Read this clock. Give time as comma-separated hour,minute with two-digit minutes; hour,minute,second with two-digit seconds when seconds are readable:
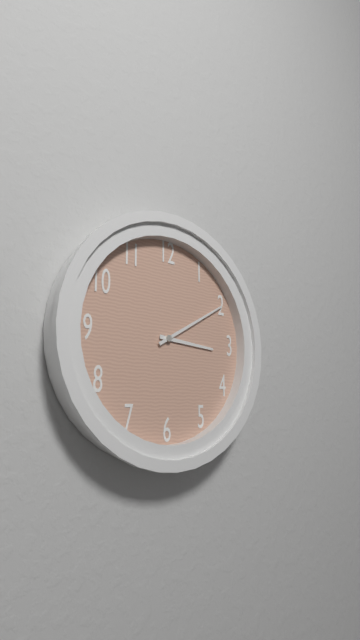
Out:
3,10
